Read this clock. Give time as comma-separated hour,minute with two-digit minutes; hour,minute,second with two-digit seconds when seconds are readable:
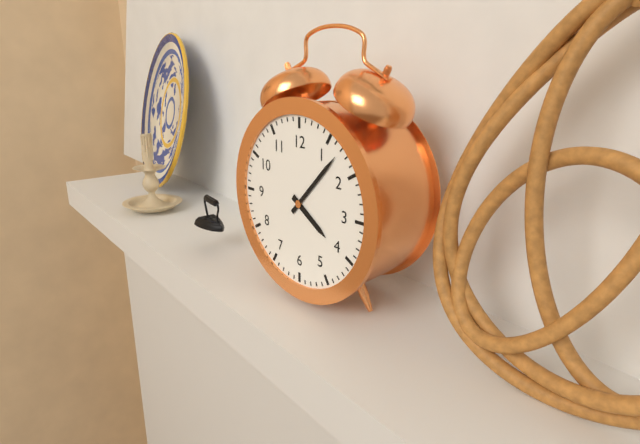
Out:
4,07
